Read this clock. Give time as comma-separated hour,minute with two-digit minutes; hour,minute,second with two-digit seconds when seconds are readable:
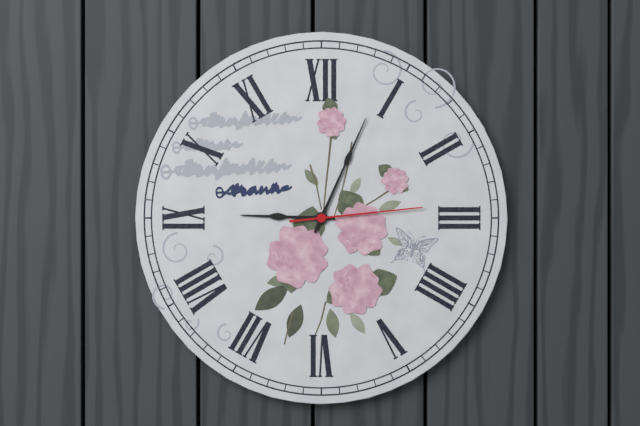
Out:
9,04,14
